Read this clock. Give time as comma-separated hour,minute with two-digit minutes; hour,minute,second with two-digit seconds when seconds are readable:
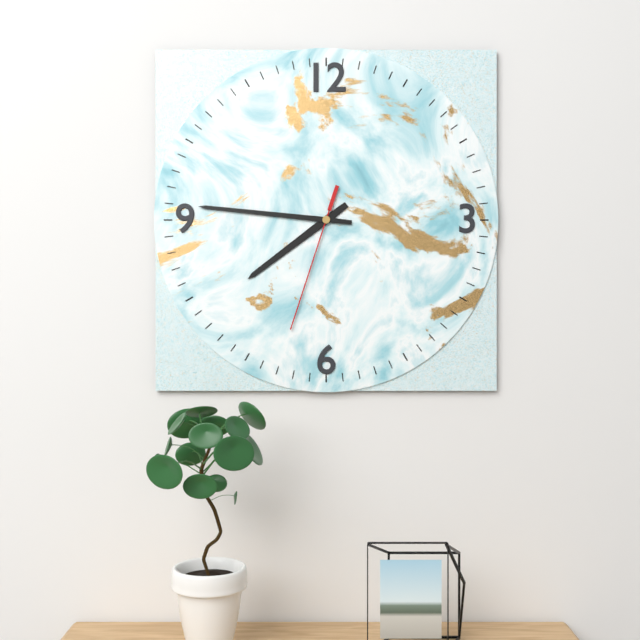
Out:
7,46,33
